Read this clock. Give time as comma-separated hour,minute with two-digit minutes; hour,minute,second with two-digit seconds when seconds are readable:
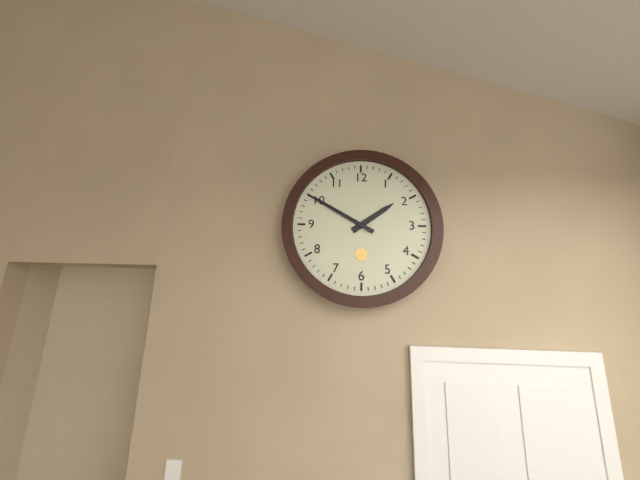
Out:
1,50
